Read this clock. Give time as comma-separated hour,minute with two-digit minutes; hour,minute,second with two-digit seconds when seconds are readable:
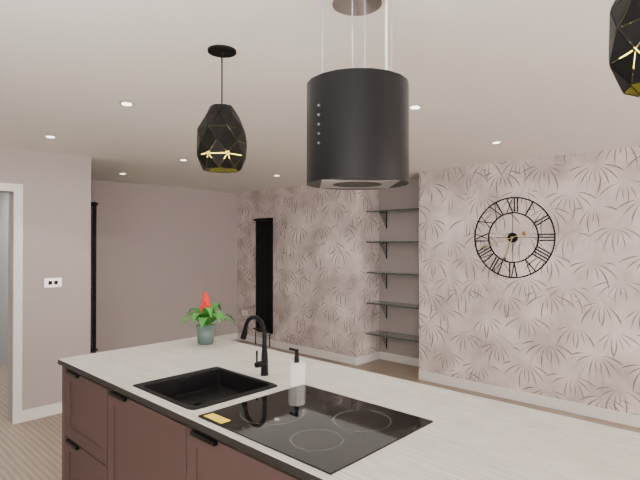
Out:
6,42
